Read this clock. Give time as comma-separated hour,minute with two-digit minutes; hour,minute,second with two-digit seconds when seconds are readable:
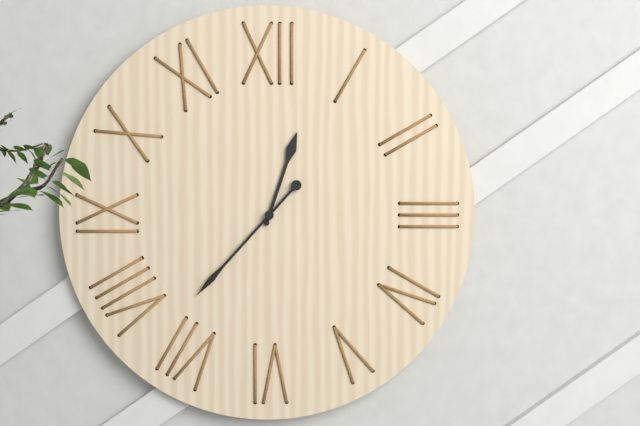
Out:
12,37
